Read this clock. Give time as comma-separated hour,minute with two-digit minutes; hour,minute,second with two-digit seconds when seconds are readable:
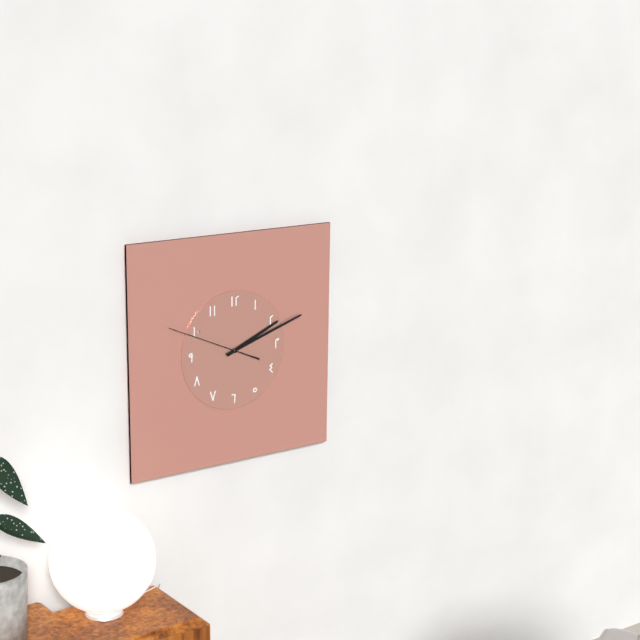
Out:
2,12,49
